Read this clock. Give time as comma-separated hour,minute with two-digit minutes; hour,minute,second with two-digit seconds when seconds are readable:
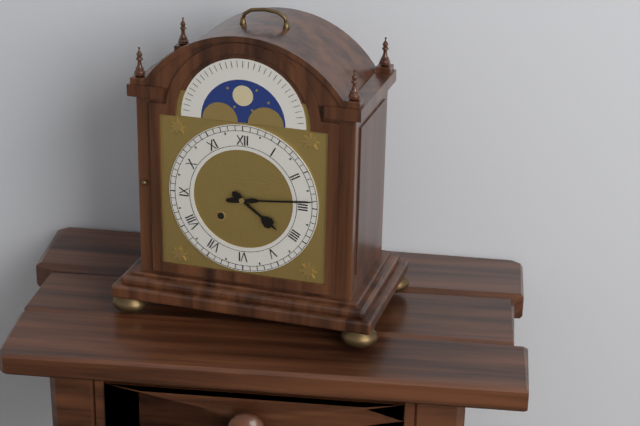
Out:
4,14
